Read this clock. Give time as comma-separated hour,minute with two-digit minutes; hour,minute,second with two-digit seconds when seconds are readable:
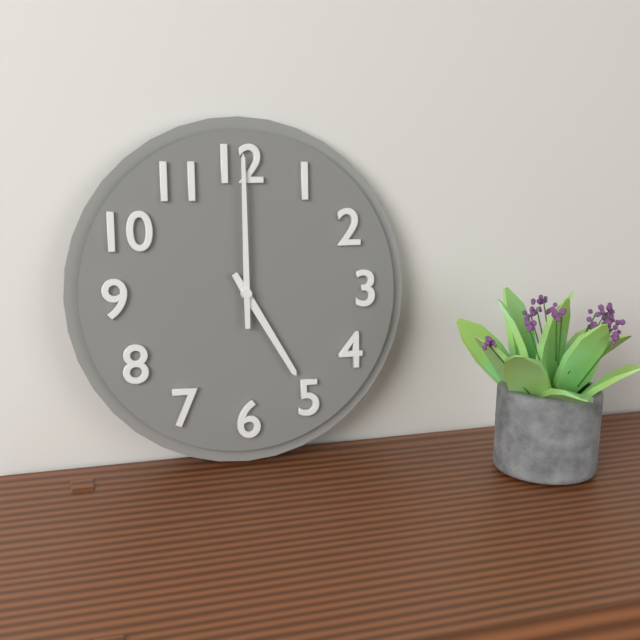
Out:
5,00
